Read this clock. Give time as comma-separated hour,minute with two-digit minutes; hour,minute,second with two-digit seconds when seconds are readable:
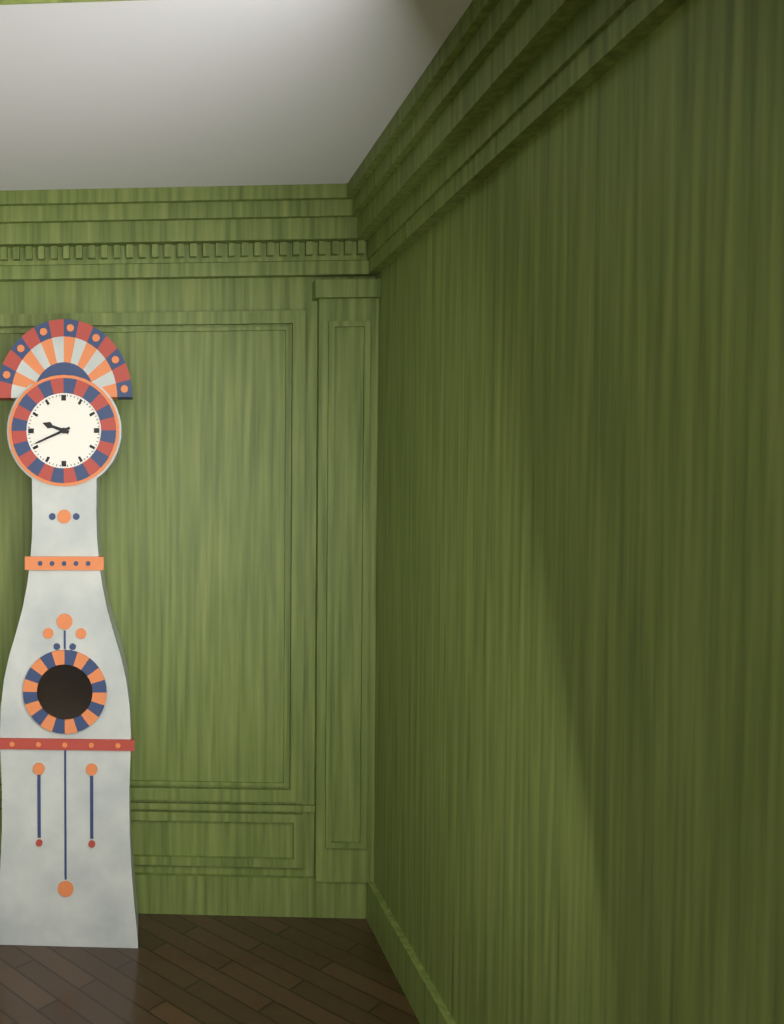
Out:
9,41
